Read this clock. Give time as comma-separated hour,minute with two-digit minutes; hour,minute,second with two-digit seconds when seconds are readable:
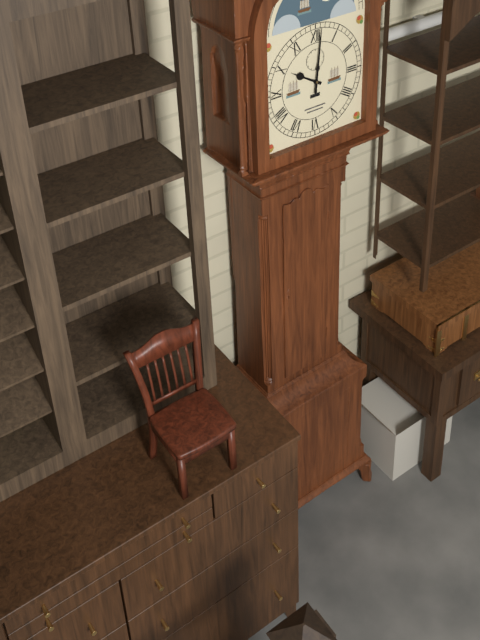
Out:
10,01
